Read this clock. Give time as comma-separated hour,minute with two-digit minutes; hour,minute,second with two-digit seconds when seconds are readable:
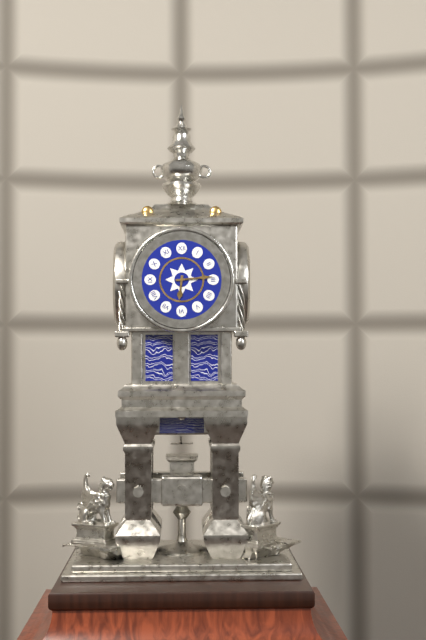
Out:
6,14
